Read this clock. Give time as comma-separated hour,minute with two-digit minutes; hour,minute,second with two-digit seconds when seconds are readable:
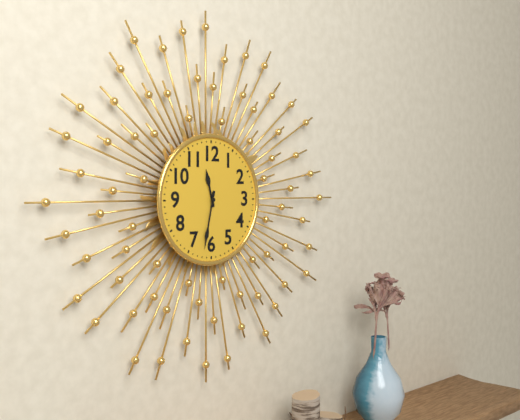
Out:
11,32
